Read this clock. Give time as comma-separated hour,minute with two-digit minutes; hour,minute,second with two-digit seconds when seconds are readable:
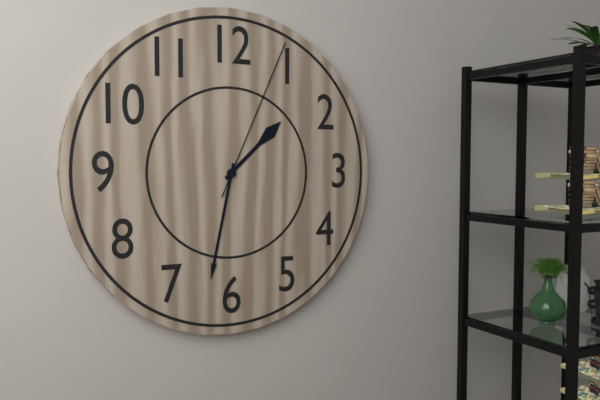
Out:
1,32,04
